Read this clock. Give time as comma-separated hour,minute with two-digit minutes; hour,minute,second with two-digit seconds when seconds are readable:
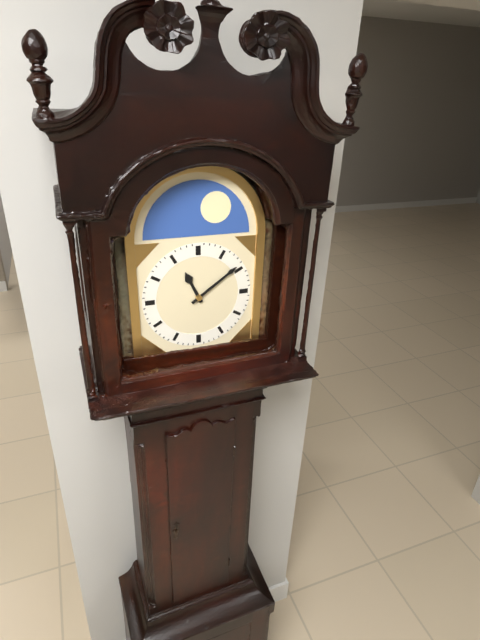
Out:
11,09
